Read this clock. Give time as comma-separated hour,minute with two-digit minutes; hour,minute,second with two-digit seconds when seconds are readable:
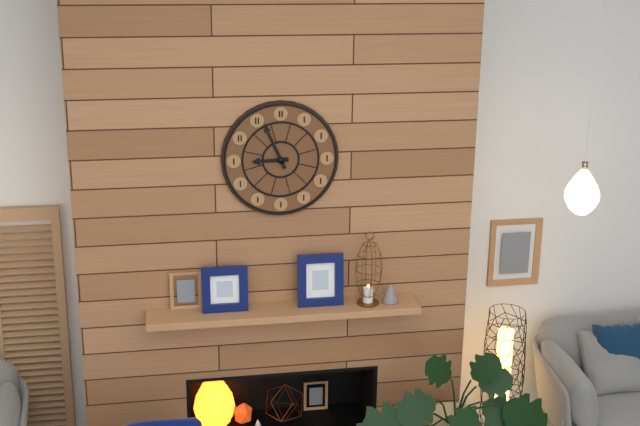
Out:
8,56
